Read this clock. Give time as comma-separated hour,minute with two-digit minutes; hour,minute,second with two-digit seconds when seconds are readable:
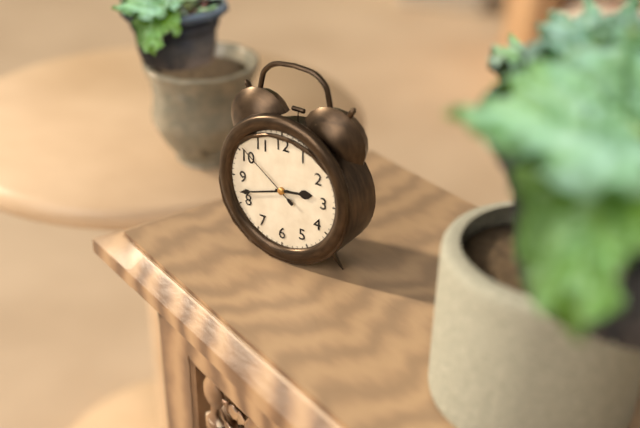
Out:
2,42,51
